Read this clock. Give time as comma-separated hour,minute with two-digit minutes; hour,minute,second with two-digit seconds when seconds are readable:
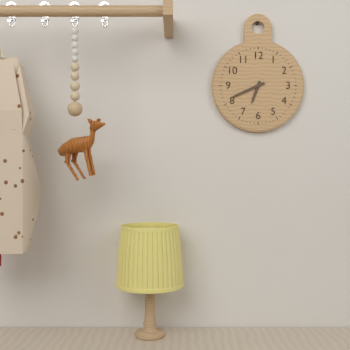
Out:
6,41
